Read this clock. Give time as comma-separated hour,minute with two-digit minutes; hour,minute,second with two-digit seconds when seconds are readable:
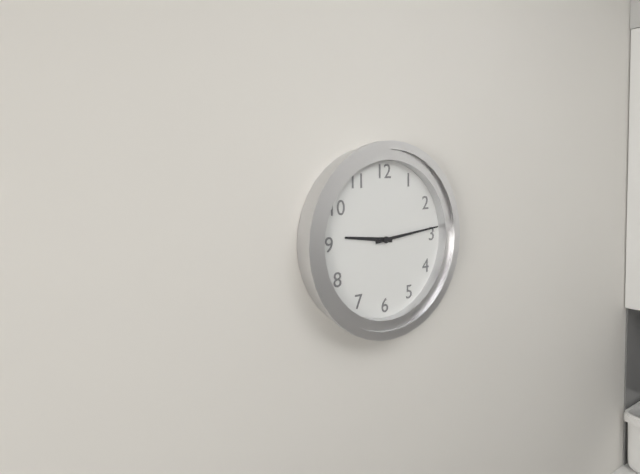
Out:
9,14
